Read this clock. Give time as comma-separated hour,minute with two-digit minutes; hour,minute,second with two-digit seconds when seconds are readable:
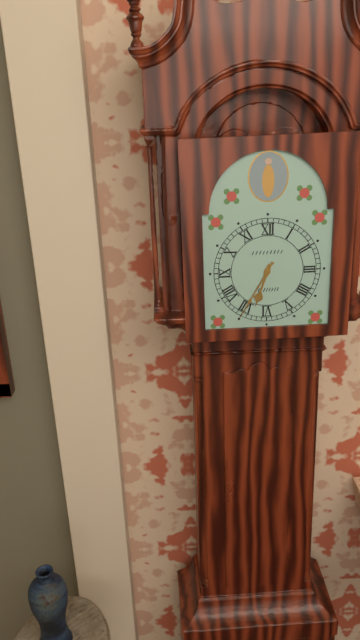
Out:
6,35
